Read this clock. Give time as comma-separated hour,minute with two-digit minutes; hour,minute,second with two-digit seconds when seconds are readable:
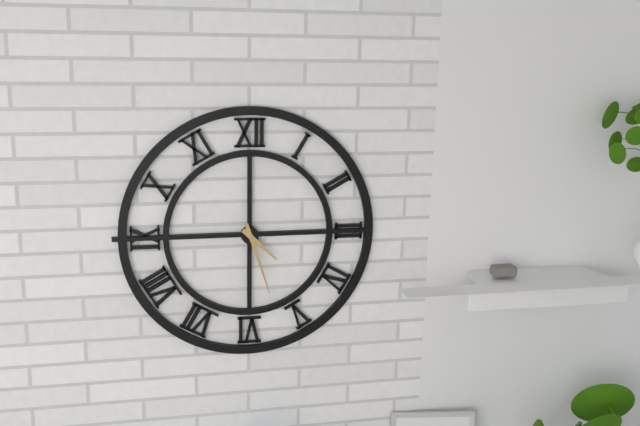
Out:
4,27
